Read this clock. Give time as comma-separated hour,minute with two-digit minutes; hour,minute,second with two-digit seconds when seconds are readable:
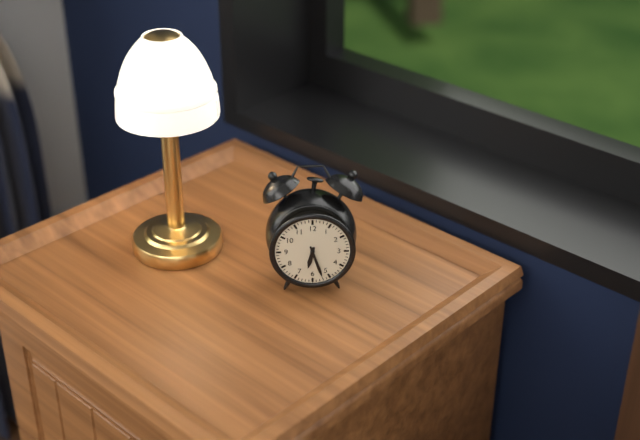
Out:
6,27
